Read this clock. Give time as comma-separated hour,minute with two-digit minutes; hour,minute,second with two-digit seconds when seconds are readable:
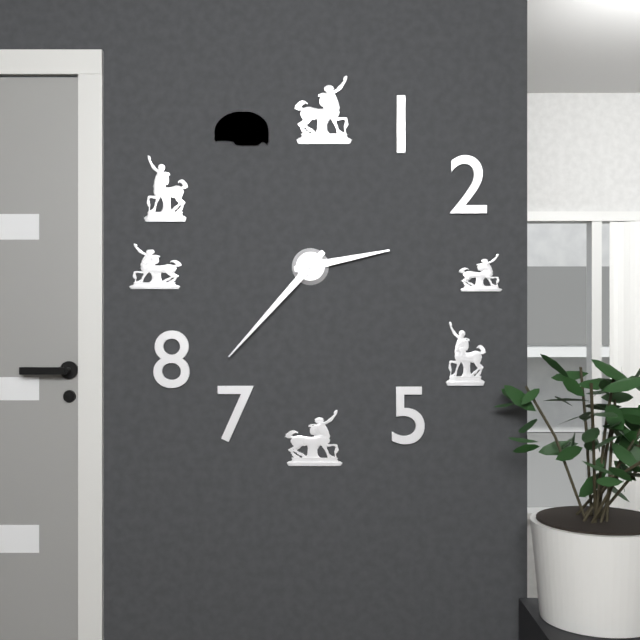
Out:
2,37
